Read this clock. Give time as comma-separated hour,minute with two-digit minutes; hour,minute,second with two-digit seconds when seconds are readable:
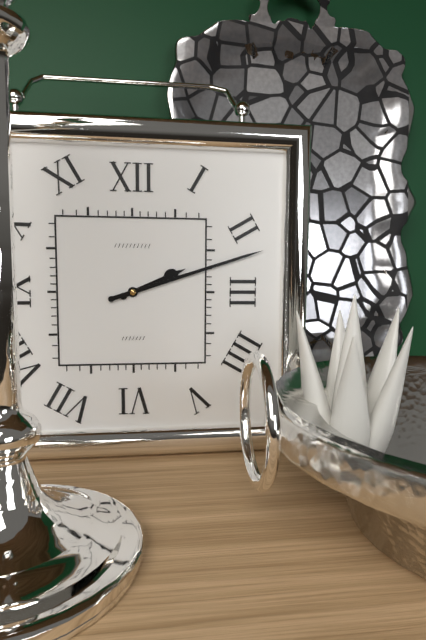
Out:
2,12
